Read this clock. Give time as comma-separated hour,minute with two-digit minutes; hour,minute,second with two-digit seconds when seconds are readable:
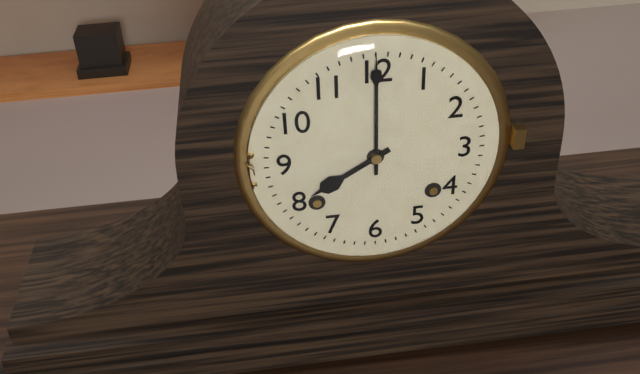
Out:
8,00
